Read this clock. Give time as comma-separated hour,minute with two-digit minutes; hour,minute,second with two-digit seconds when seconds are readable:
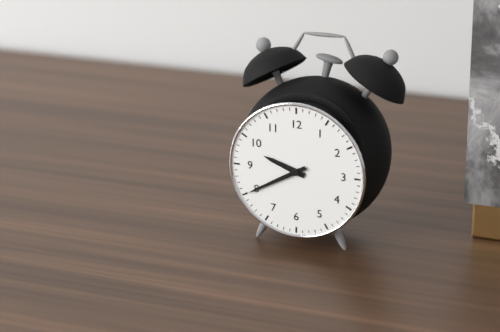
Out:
9,40
